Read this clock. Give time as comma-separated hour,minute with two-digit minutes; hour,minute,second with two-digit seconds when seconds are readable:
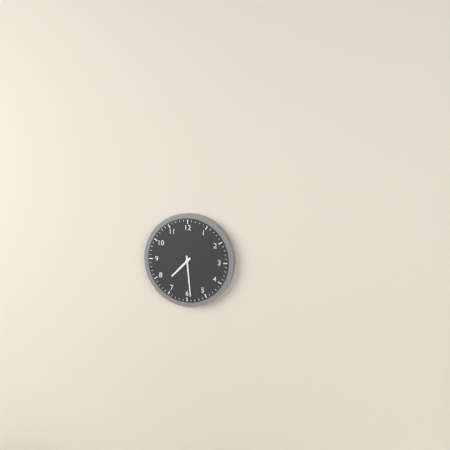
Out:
7,29
